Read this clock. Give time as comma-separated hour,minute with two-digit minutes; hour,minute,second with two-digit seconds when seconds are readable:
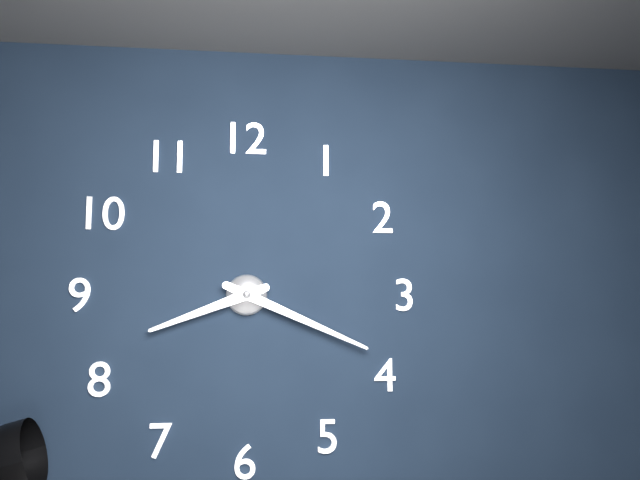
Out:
8,19
